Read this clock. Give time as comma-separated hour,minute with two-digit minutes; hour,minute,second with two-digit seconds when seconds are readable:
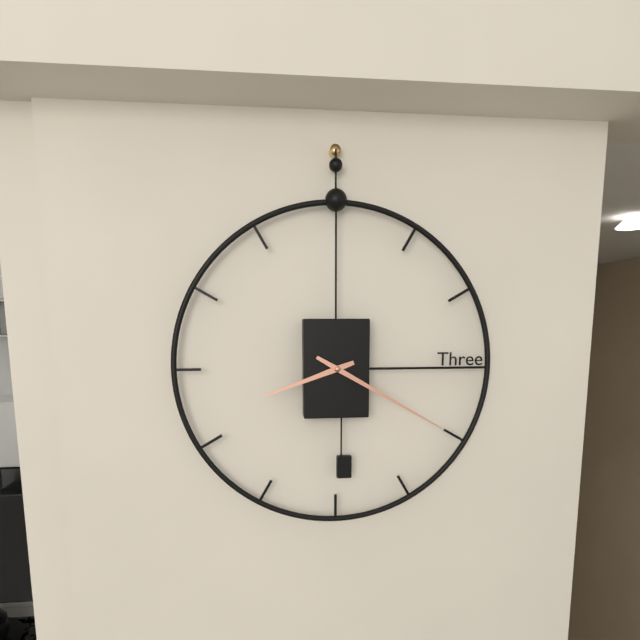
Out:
8,20
